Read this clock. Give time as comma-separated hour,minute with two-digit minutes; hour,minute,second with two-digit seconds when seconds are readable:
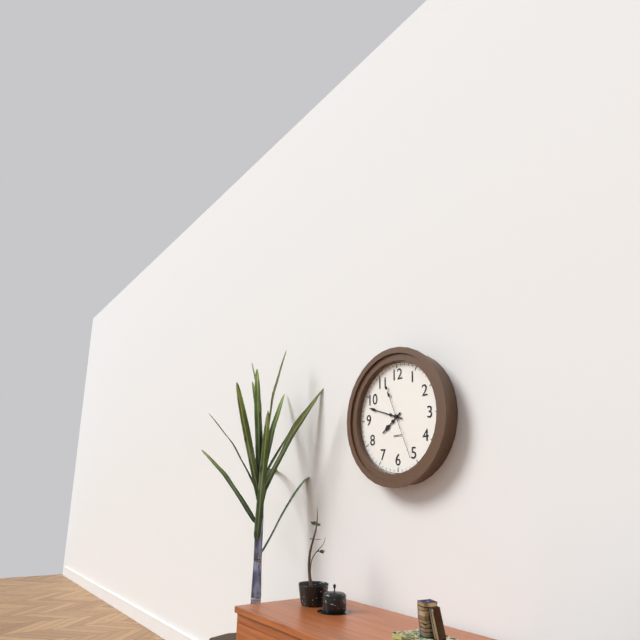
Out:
7,48,26
